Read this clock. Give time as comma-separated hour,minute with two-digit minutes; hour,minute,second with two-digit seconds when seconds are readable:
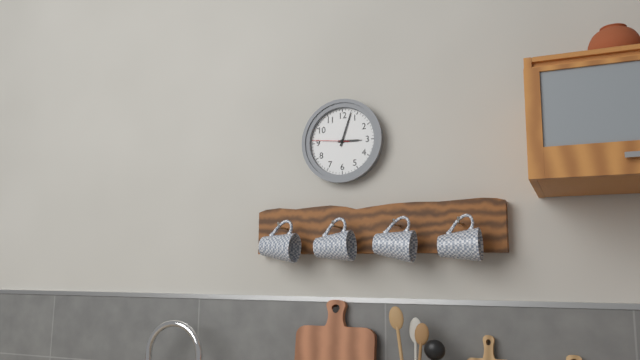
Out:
3,03
